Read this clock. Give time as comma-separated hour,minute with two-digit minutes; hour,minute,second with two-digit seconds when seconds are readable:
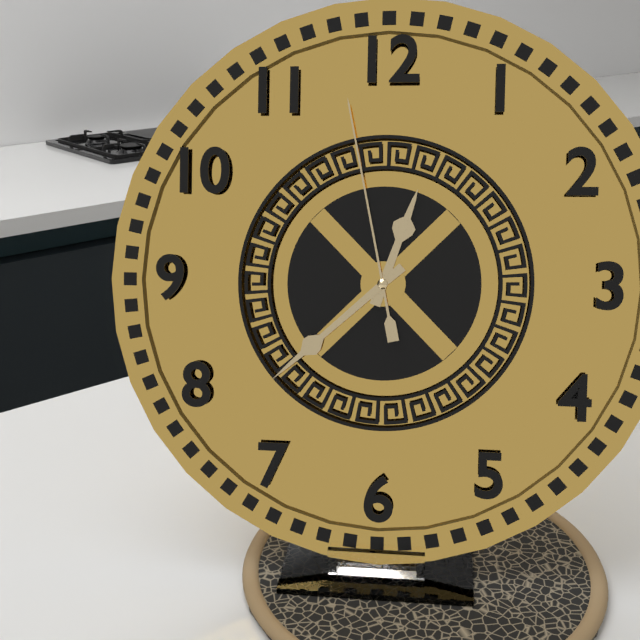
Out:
12,38,58
